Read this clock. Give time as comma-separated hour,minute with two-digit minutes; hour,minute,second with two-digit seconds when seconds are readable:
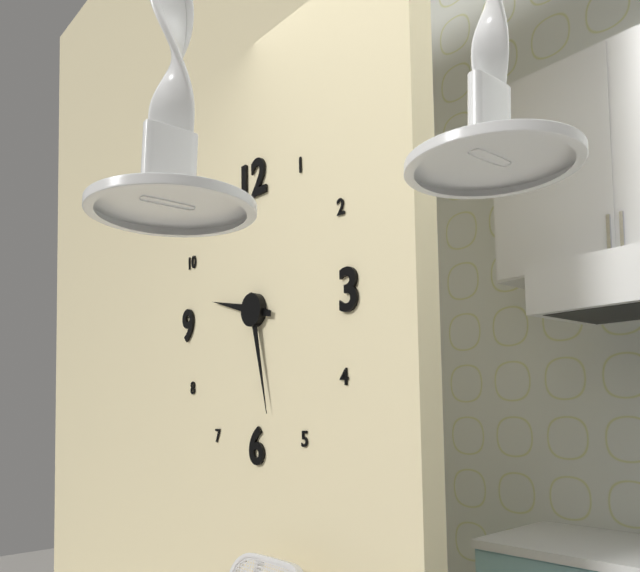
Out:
9,28
